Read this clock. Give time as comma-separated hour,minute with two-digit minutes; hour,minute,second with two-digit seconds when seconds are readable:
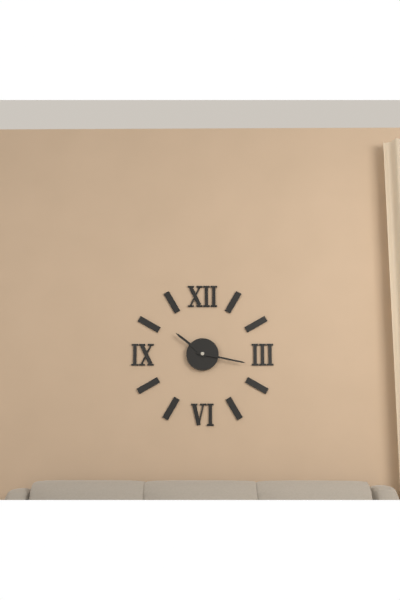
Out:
10,17
